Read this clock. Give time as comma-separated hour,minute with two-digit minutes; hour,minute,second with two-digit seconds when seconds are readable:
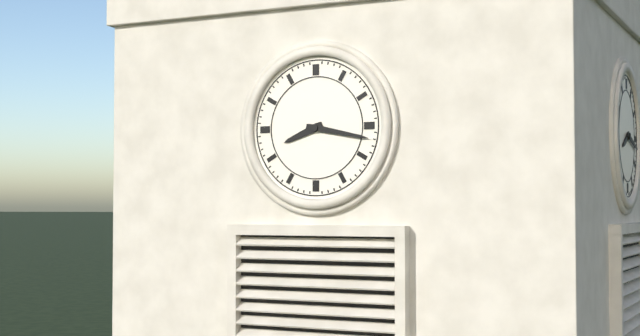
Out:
8,17
